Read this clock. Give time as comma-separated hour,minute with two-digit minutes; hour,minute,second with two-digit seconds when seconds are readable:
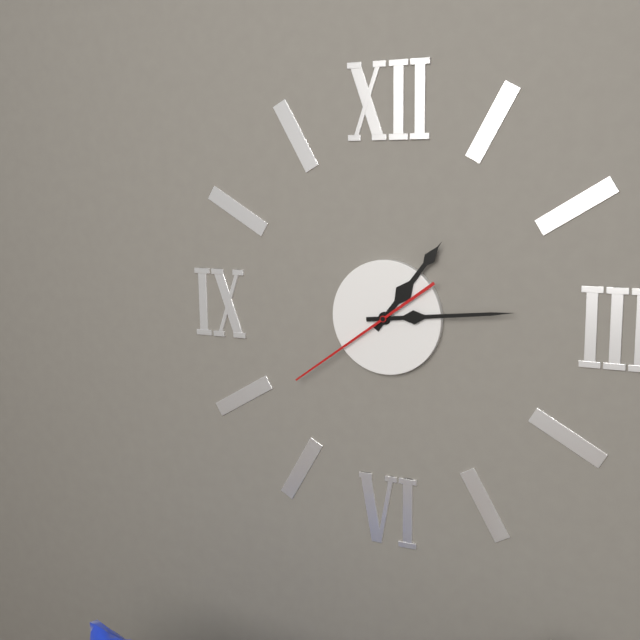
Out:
1,14,39
